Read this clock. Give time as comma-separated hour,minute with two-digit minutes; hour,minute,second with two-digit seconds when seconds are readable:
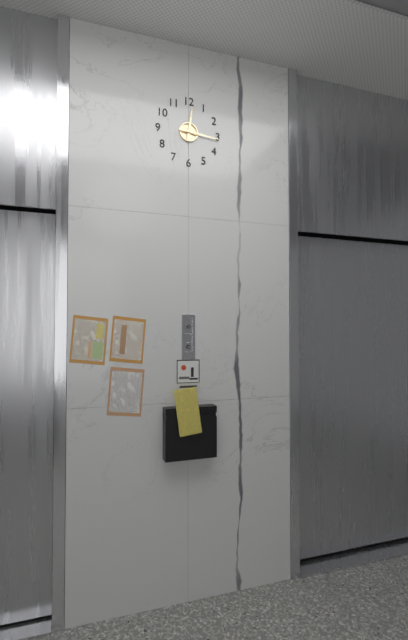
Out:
12,16
